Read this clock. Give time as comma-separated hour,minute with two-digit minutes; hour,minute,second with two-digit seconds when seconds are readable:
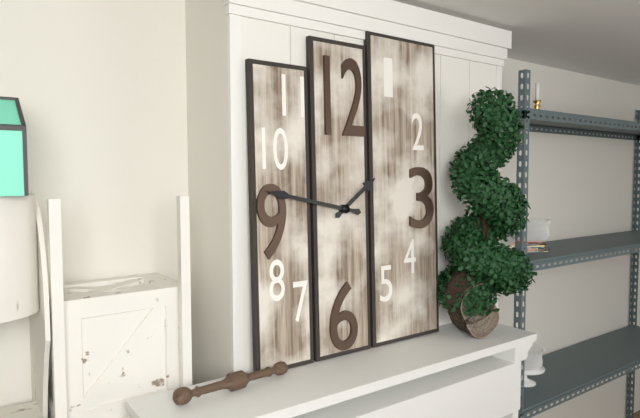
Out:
1,47
